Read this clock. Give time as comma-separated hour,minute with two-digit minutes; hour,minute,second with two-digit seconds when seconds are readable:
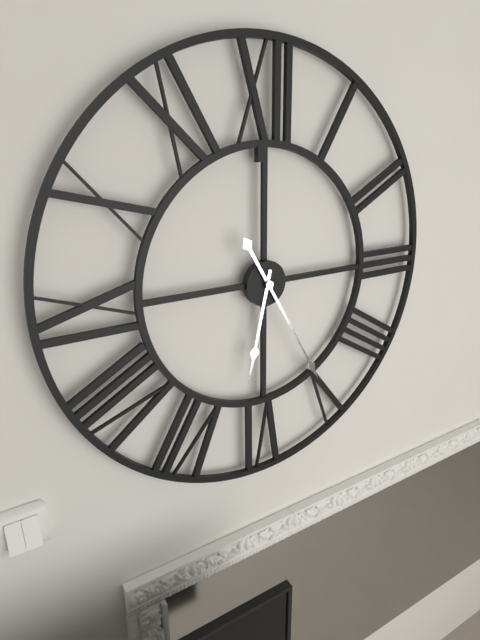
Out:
6,25
